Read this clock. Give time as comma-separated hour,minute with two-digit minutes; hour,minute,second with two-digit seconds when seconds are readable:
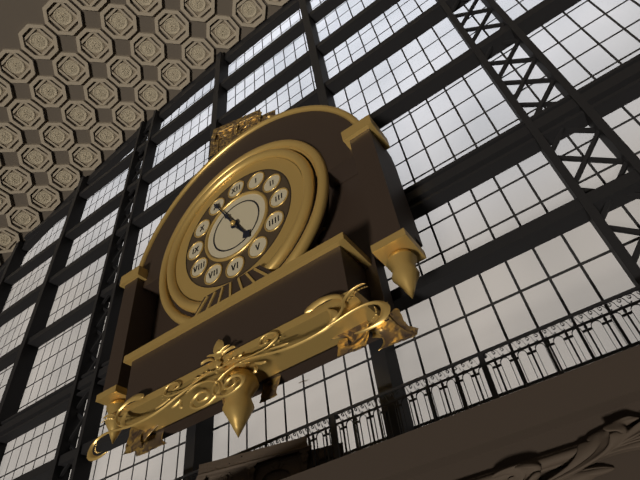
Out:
4,55
